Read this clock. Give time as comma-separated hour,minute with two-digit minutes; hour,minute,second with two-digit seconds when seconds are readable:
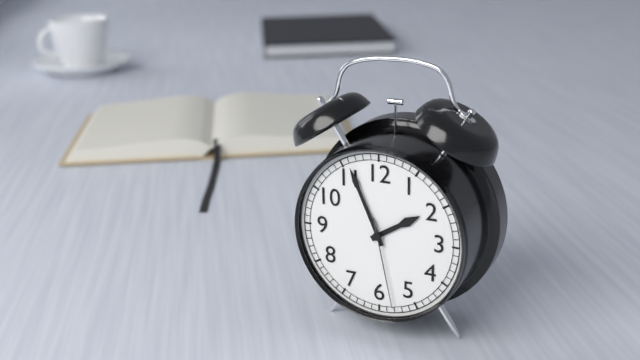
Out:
1,56,28
